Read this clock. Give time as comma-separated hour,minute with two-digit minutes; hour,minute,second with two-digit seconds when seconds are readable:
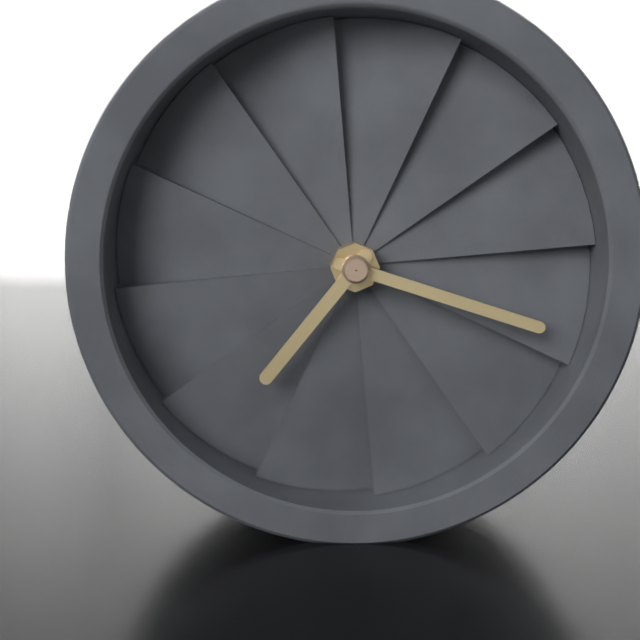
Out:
7,18
